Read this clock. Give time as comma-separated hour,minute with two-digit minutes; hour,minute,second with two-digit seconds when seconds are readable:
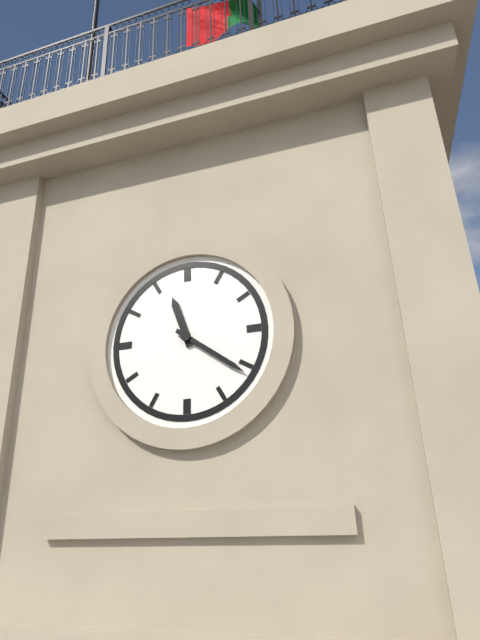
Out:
11,21
